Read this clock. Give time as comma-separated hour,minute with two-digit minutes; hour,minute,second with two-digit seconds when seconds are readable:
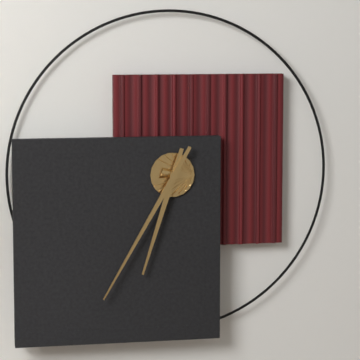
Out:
6,35
